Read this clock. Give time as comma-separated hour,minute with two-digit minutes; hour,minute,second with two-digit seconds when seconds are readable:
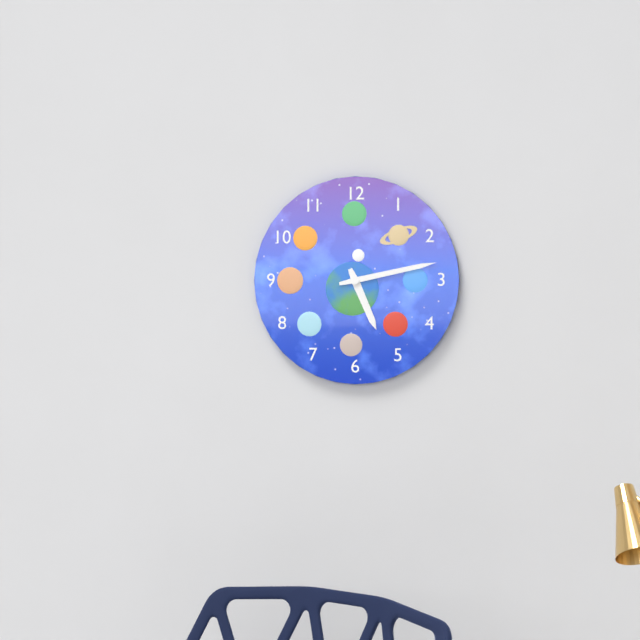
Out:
5,13
